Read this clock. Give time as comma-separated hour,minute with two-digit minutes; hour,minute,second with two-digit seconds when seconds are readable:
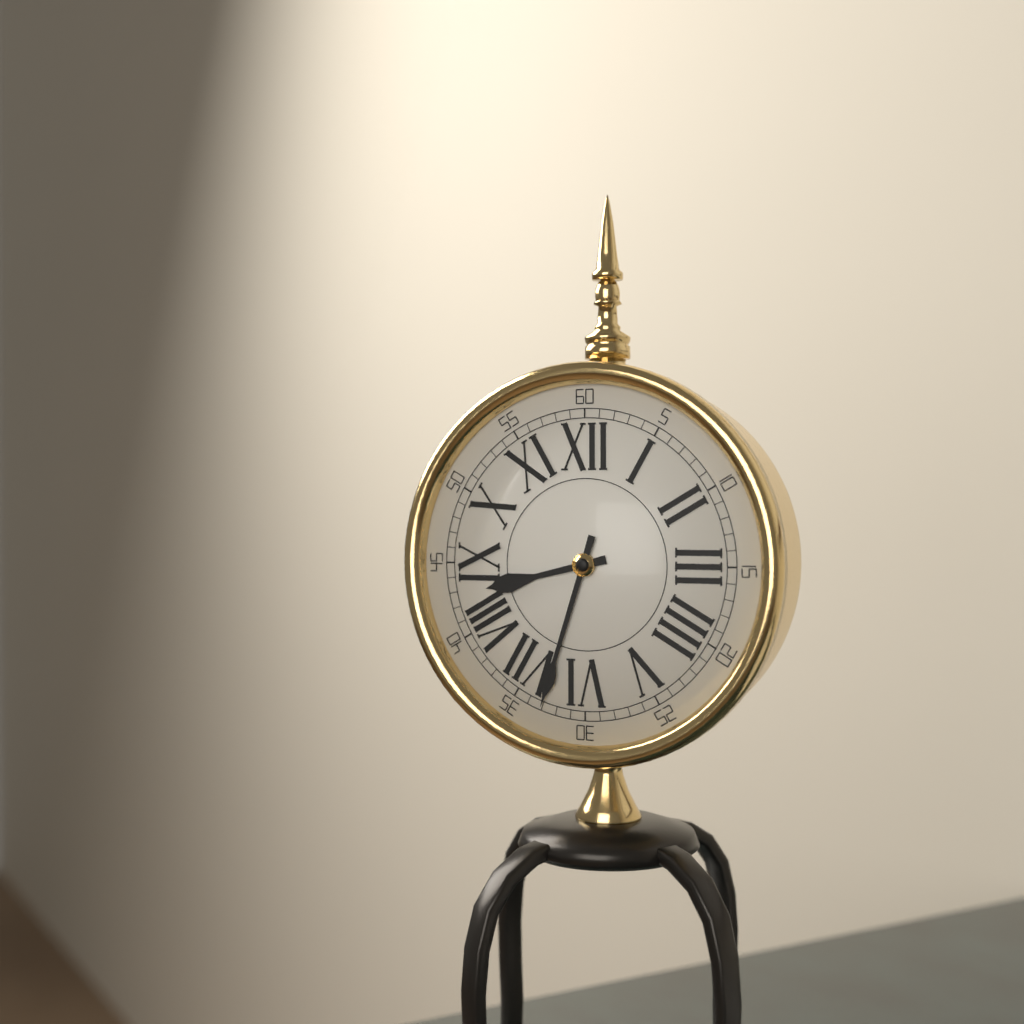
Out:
8,33
